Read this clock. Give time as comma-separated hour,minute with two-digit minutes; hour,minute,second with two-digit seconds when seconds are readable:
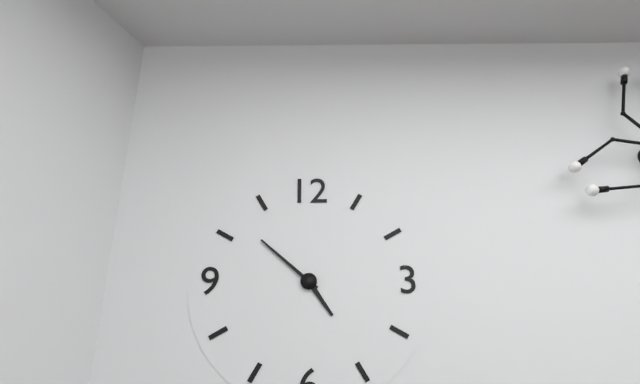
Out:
4,52
